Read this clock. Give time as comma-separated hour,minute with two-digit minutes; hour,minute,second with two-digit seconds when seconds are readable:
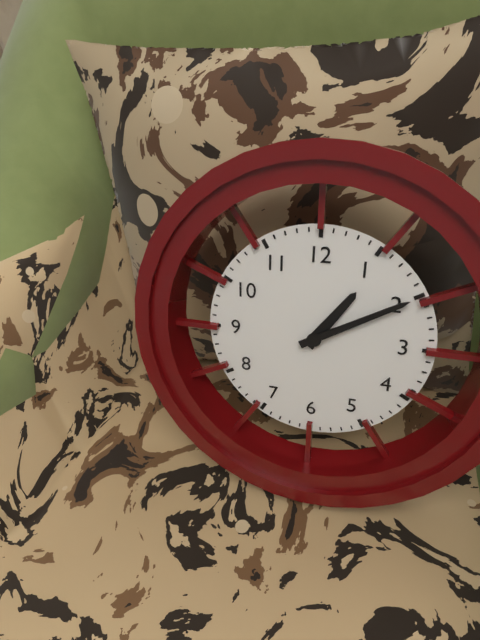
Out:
1,10
